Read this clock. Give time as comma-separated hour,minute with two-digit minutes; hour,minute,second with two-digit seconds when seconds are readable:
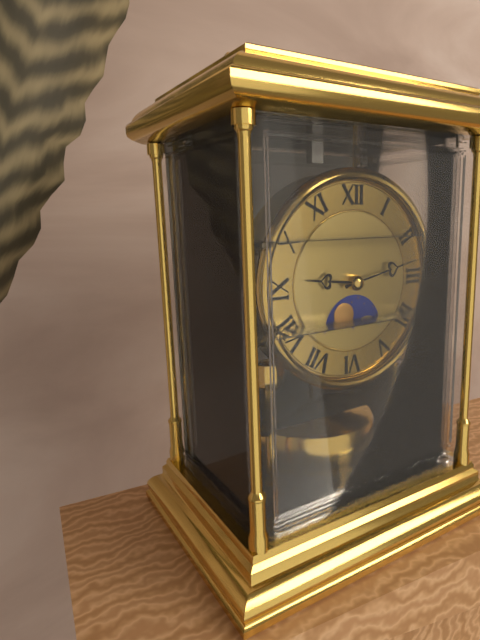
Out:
9,13
